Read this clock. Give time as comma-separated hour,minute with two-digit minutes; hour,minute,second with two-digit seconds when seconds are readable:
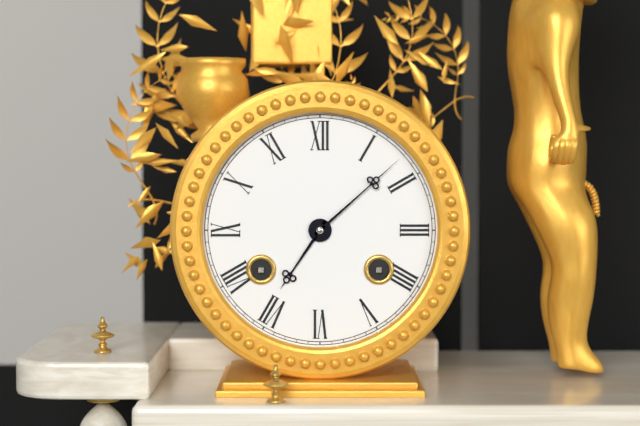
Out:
7,08
